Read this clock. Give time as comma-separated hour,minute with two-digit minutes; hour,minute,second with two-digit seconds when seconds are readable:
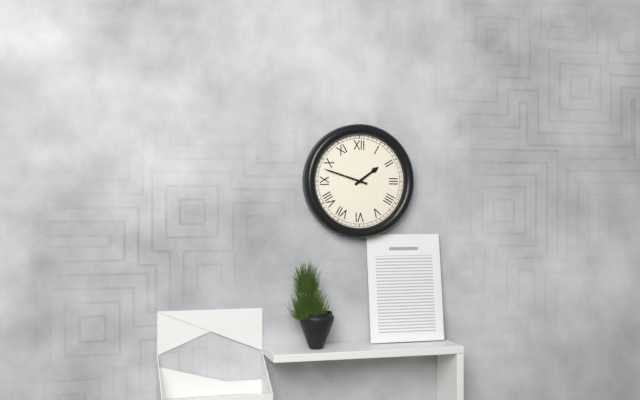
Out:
1,48
